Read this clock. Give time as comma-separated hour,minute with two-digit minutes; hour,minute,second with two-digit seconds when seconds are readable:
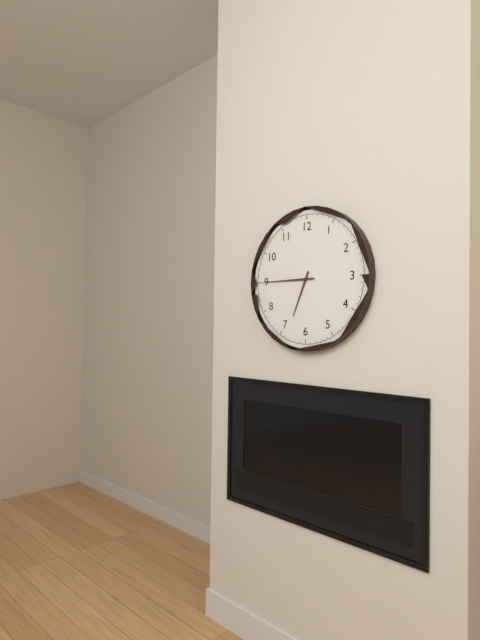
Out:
6,45
